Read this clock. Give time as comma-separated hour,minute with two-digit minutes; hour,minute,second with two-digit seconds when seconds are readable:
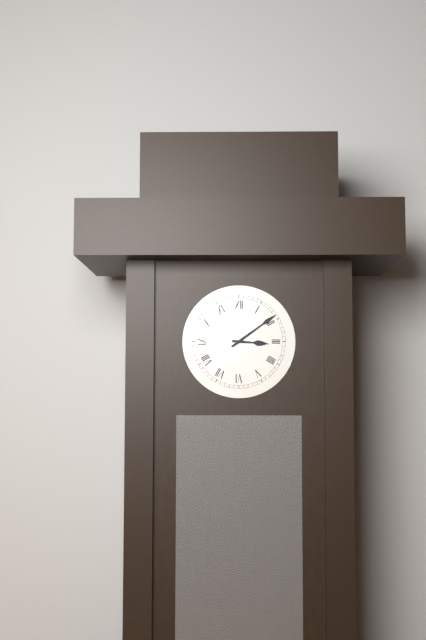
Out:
3,09
